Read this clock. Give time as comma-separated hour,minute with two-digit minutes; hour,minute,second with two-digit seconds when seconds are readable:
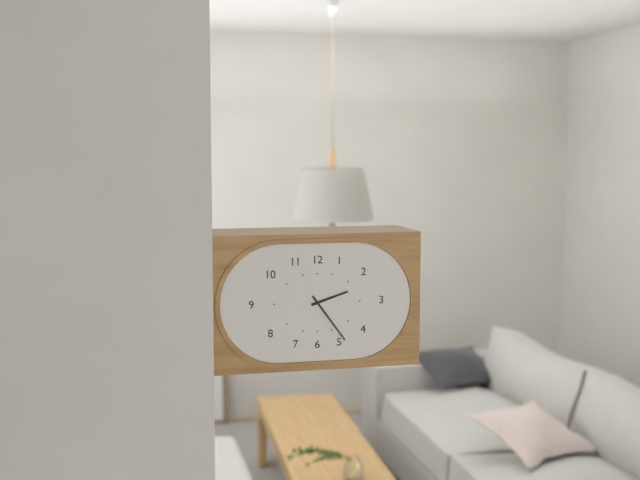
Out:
2,24
